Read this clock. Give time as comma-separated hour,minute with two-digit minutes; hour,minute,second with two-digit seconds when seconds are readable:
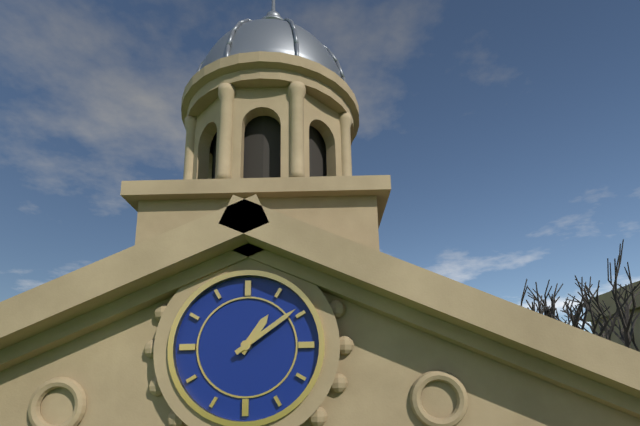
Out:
1,09
